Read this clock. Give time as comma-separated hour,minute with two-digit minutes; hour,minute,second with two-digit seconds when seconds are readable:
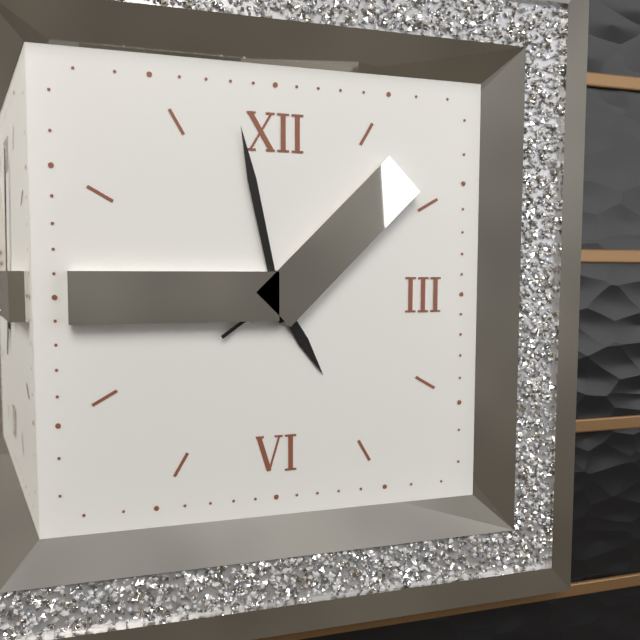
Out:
4,58
